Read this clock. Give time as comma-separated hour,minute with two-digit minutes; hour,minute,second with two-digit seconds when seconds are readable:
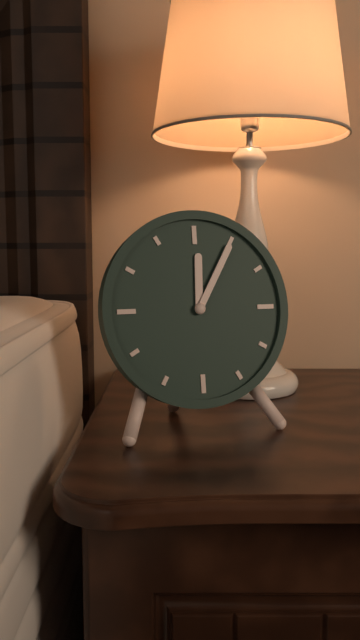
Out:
12,05
